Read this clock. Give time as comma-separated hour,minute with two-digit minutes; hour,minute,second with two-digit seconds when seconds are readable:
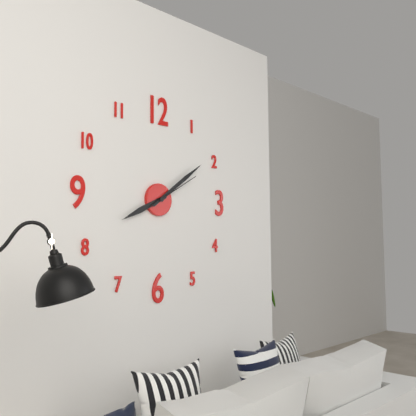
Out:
8,09,10
